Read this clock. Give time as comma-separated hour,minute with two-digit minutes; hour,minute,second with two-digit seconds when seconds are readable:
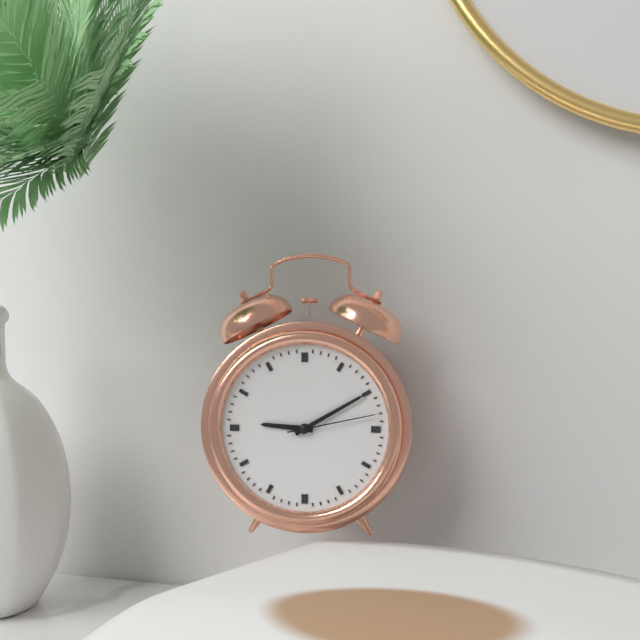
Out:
9,10,13
